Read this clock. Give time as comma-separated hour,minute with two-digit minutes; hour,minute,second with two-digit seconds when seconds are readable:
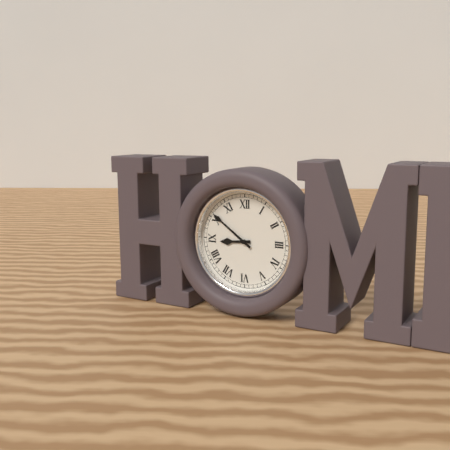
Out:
8,51
